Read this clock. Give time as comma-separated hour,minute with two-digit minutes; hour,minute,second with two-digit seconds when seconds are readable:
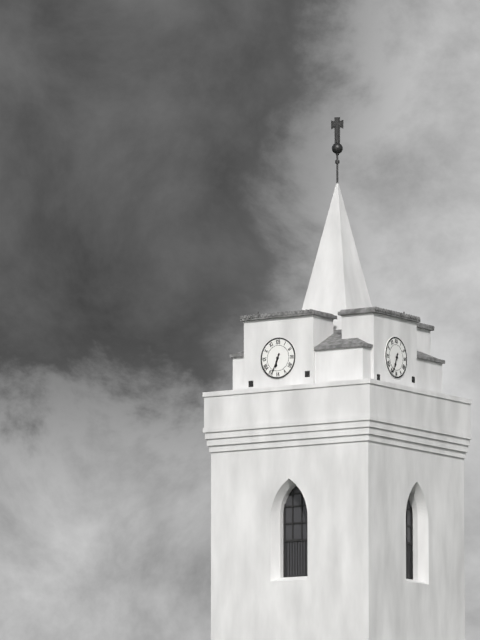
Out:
6,34
